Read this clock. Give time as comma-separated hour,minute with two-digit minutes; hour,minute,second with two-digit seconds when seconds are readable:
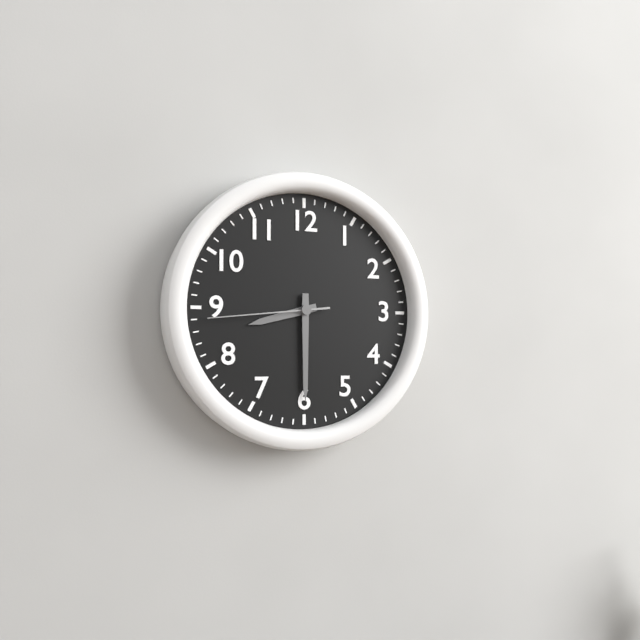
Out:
8,30,44
